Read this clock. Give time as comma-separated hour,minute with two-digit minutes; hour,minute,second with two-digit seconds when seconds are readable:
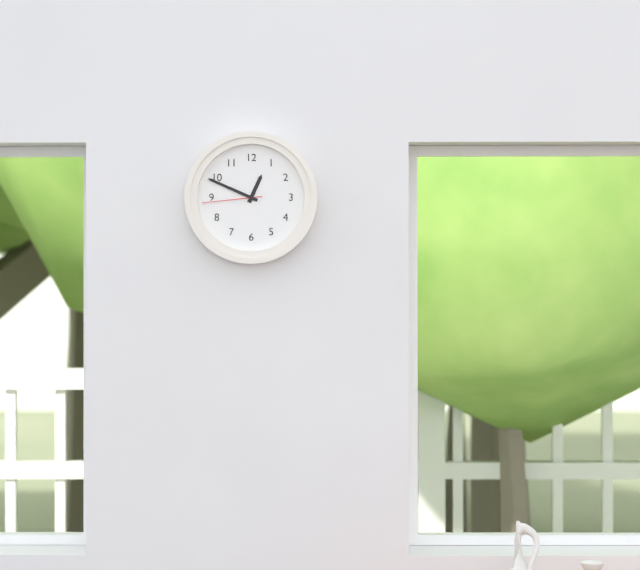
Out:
12,49,44
